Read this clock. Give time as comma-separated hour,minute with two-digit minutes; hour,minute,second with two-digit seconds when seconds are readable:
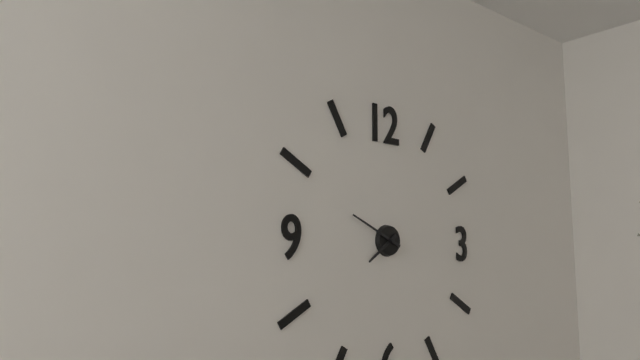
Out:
7,49
